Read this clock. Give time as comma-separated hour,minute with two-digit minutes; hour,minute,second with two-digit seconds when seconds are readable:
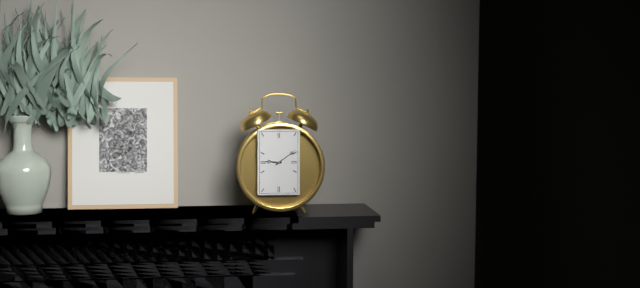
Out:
9,09
